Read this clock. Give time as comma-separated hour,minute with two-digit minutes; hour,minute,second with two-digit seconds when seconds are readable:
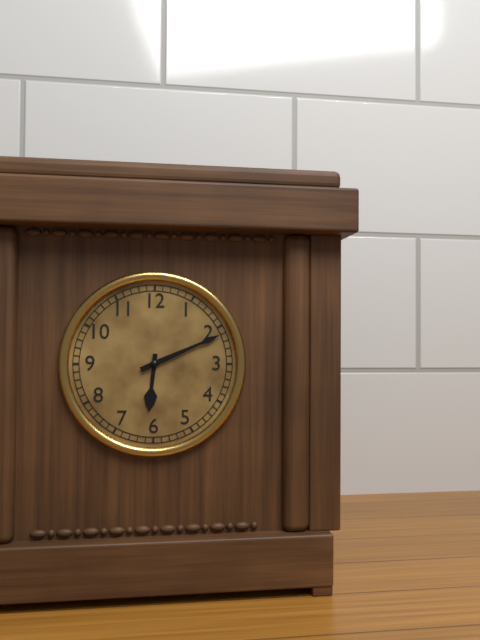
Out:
6,11
